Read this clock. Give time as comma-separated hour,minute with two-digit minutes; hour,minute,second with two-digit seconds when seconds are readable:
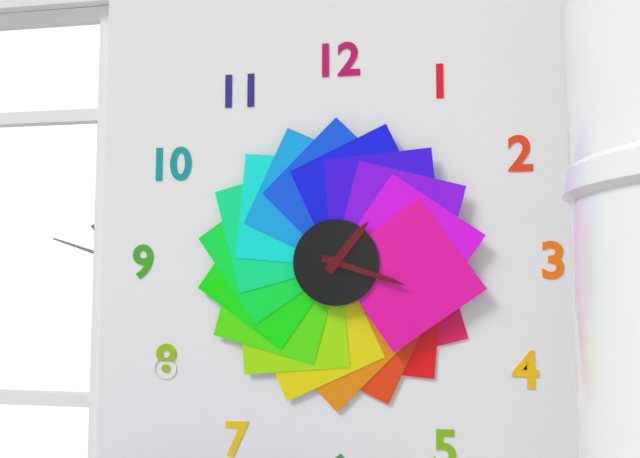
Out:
1,18
